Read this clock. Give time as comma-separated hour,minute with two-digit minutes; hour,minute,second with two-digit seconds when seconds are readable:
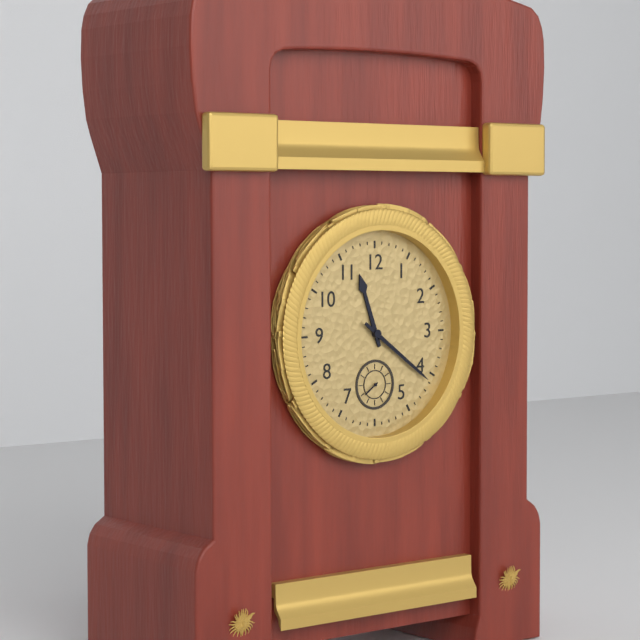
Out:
11,21
